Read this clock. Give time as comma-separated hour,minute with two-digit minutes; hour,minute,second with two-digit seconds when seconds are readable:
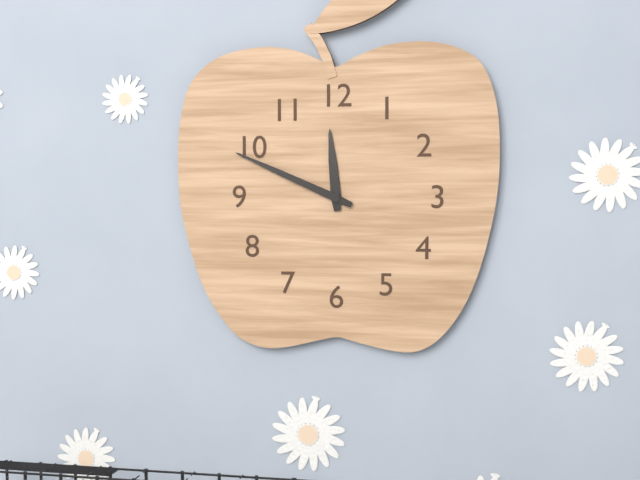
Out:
11,49
